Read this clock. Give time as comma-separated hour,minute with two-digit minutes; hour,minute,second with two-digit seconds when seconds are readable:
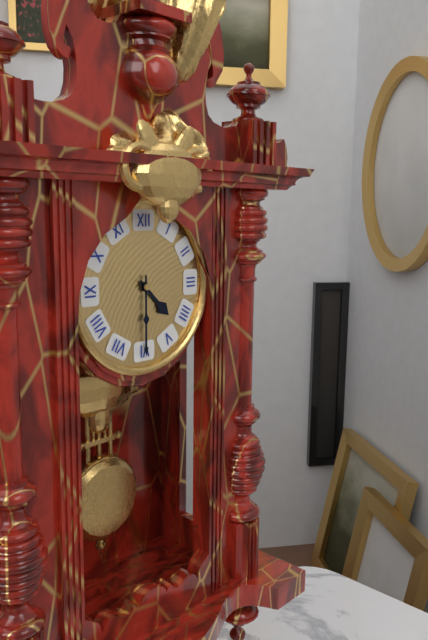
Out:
4,30
